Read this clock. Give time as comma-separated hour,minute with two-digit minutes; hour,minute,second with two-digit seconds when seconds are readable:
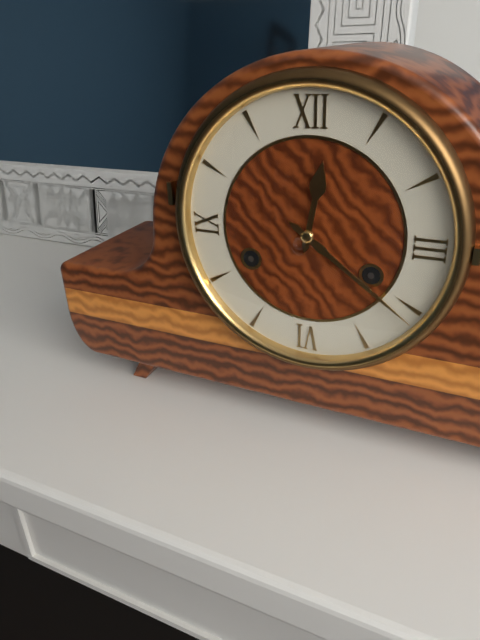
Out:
12,21
